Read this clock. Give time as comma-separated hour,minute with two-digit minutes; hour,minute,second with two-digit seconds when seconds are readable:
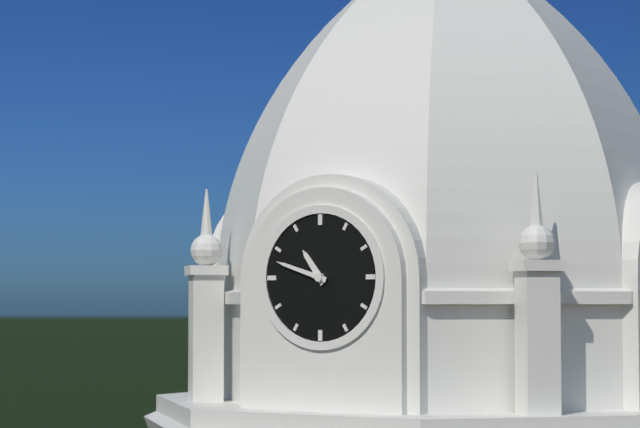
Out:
10,48
